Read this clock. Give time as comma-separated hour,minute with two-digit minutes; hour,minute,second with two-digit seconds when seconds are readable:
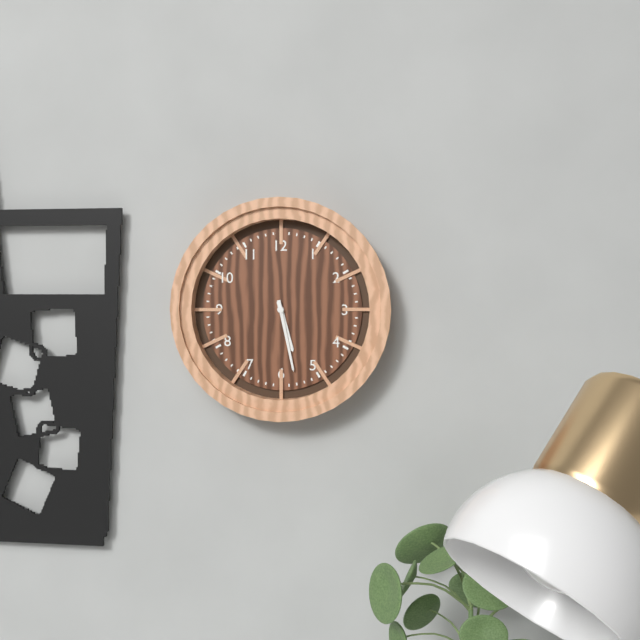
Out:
5,28
